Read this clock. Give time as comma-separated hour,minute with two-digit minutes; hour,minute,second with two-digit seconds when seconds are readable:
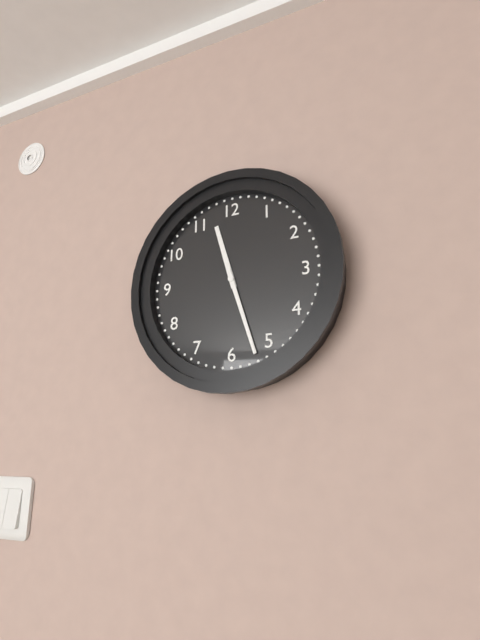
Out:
11,27
